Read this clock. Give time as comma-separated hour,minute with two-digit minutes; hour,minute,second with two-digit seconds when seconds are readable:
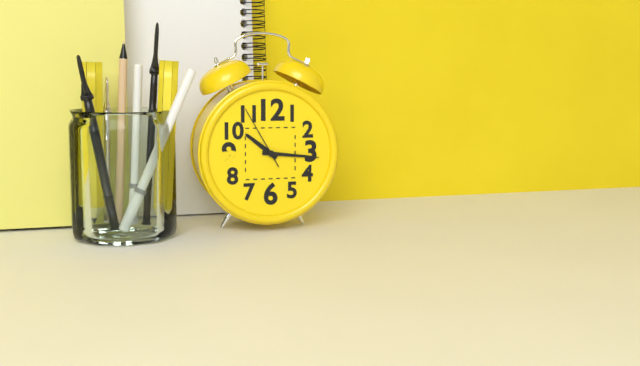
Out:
10,16,55
